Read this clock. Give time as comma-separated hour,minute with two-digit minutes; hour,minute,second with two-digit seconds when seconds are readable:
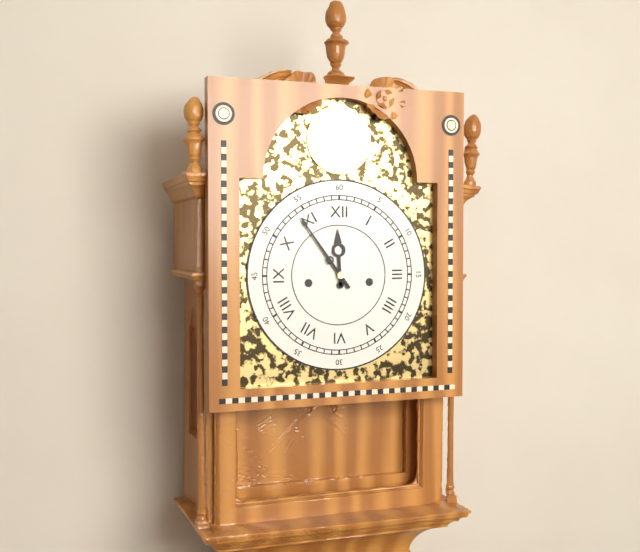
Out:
11,54
